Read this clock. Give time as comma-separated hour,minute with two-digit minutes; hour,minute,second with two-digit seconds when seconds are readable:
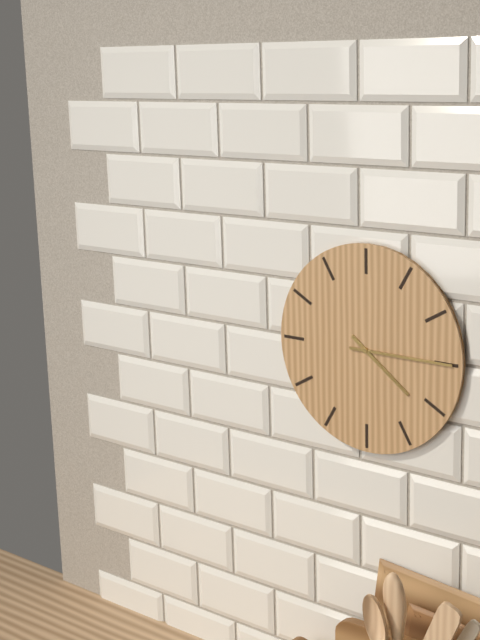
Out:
4,15
